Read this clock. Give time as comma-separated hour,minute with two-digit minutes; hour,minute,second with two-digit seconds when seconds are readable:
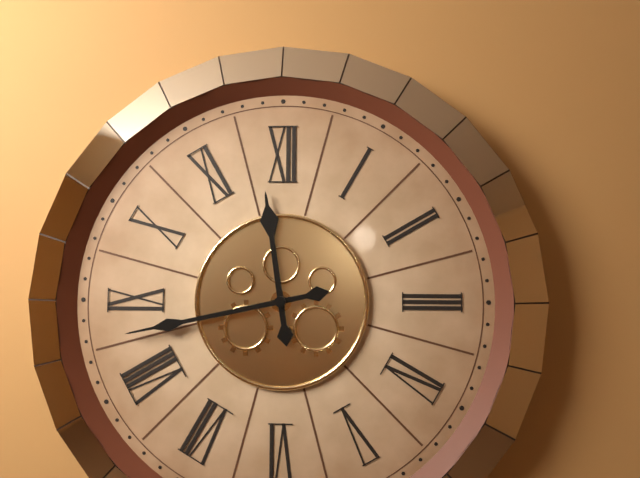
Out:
11,43
